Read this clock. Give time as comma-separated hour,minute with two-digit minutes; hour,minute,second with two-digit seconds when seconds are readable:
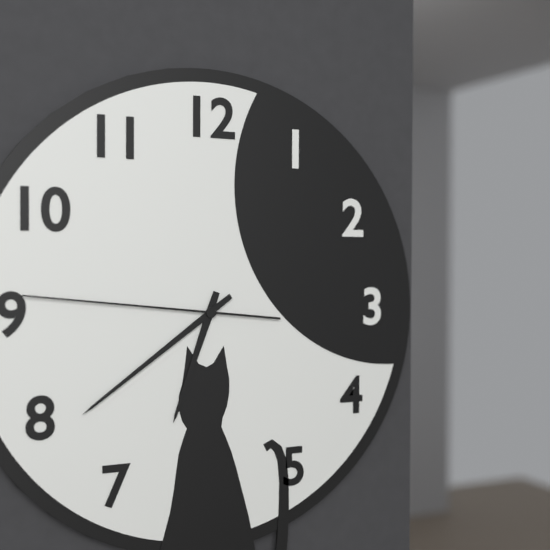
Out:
6,39,46
